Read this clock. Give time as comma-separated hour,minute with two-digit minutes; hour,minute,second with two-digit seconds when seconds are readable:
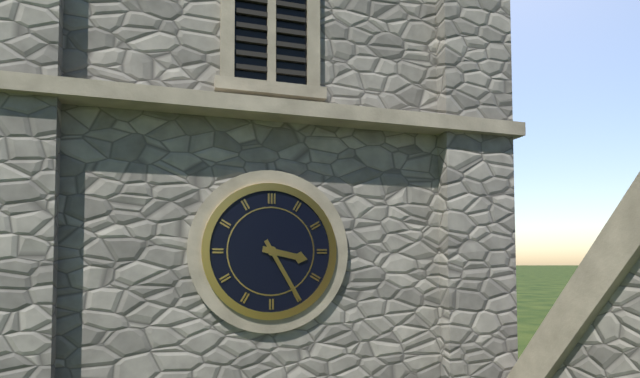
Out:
3,25
